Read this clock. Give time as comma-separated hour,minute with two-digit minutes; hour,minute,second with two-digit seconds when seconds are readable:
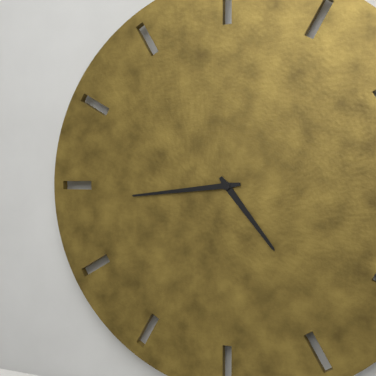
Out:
4,44
